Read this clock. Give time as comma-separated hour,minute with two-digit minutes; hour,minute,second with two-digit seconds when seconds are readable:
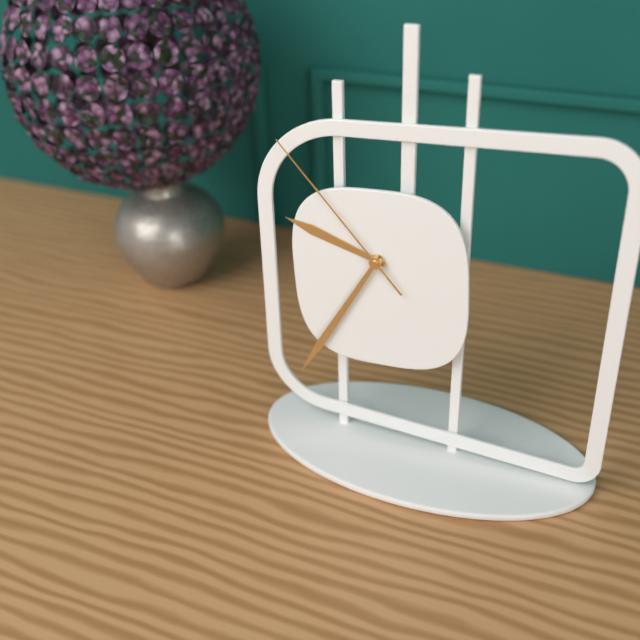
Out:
9,35,53
